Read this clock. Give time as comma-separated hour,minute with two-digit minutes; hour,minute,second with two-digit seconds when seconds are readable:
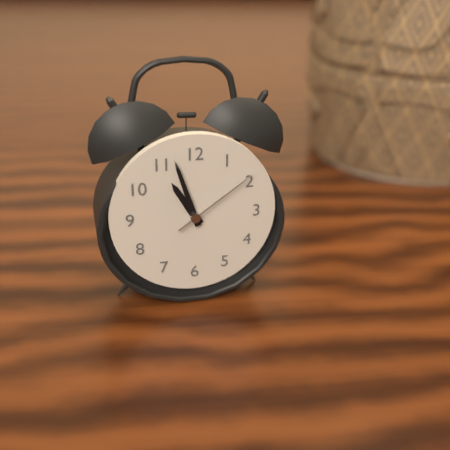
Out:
10,57,09
